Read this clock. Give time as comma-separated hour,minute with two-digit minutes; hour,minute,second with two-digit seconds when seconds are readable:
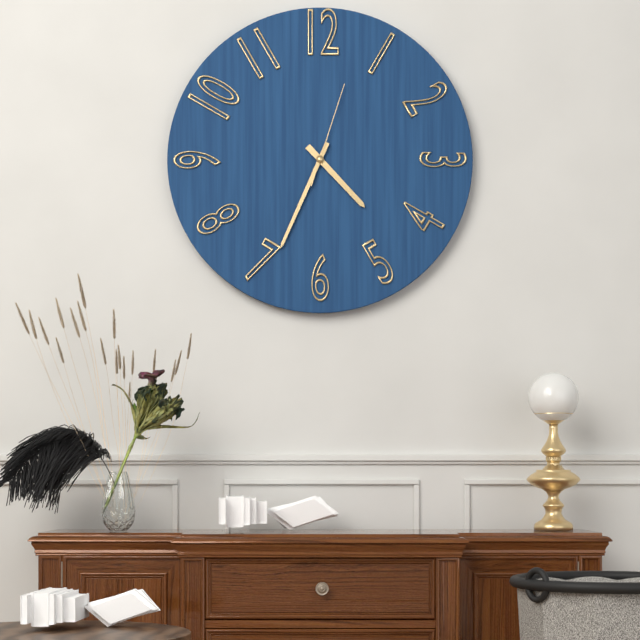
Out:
4,34,03
